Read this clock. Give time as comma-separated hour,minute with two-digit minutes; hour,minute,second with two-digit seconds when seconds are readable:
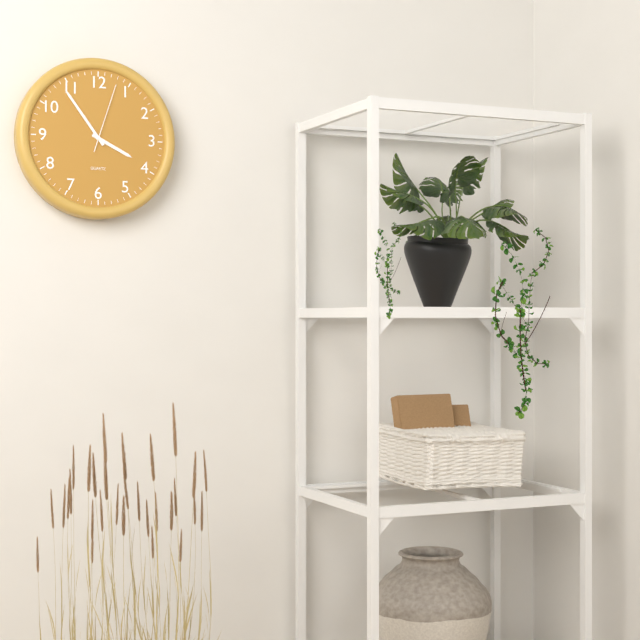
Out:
3,54,03
